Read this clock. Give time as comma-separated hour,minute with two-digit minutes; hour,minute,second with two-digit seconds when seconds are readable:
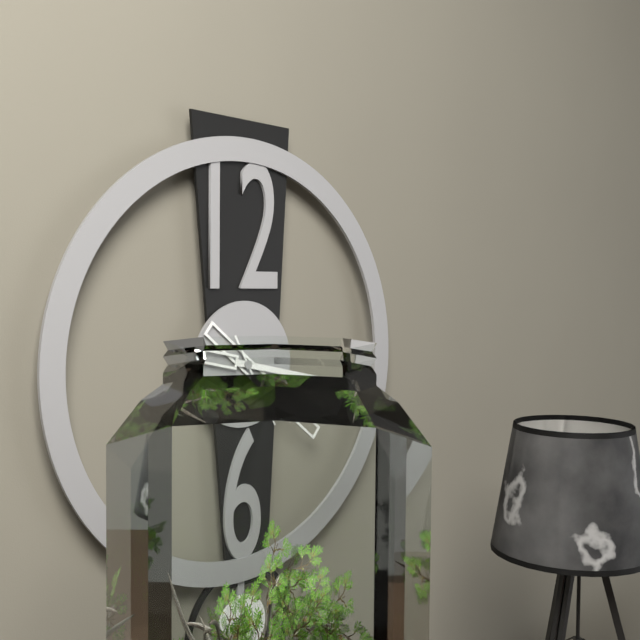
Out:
4,17,25
